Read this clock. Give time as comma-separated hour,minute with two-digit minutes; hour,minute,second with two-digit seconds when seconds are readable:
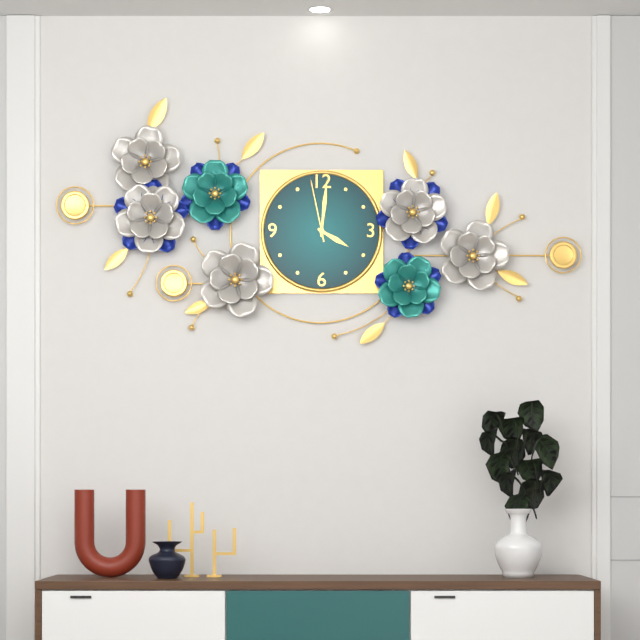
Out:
4,01,58
